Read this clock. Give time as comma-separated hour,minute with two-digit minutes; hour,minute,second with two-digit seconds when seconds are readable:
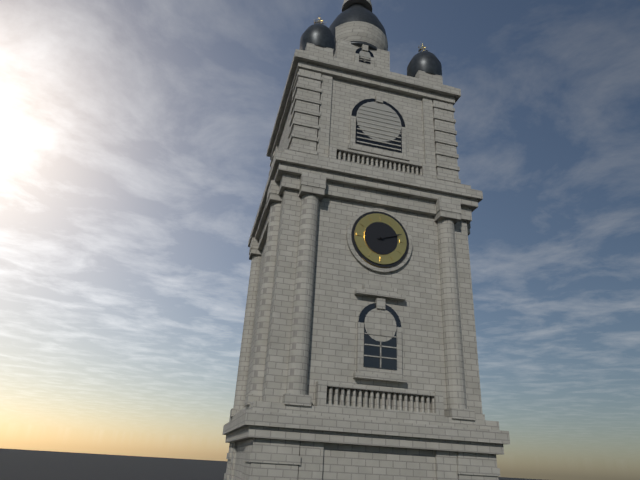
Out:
2,12
